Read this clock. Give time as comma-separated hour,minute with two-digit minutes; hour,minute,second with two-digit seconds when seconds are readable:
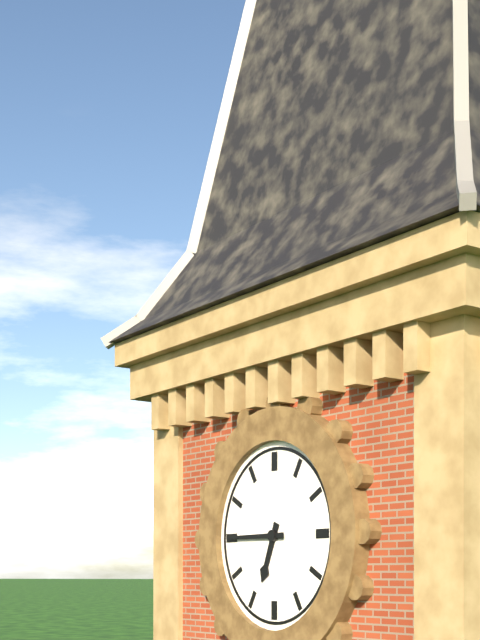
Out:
6,45
